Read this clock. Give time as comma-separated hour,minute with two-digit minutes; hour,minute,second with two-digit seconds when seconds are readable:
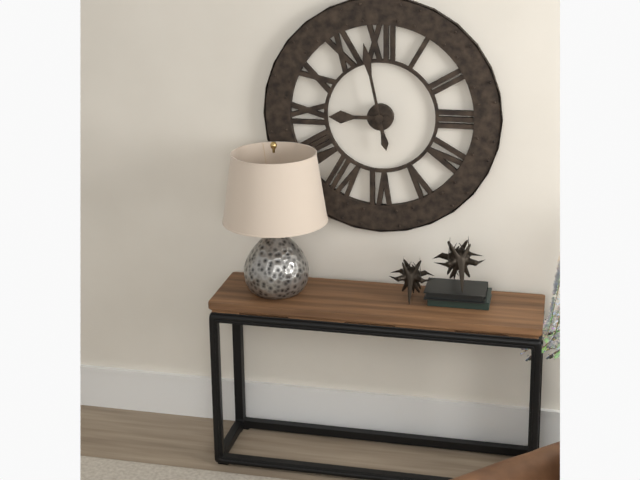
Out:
8,58
